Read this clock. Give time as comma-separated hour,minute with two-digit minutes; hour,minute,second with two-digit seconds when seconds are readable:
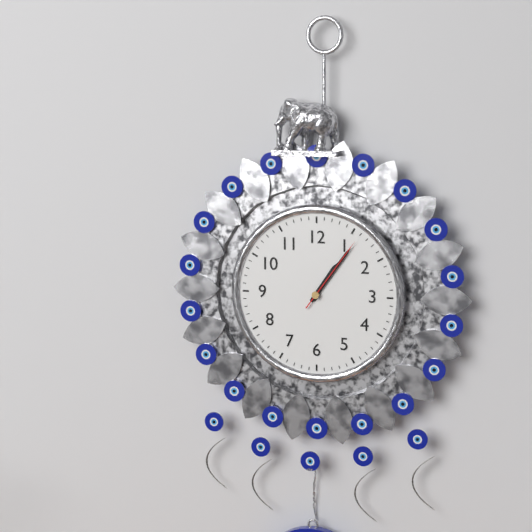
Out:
1,06,06
